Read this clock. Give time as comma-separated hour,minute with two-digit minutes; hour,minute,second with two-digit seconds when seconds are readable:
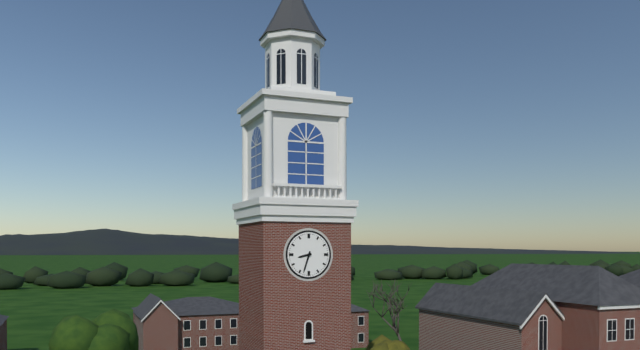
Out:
8,33
